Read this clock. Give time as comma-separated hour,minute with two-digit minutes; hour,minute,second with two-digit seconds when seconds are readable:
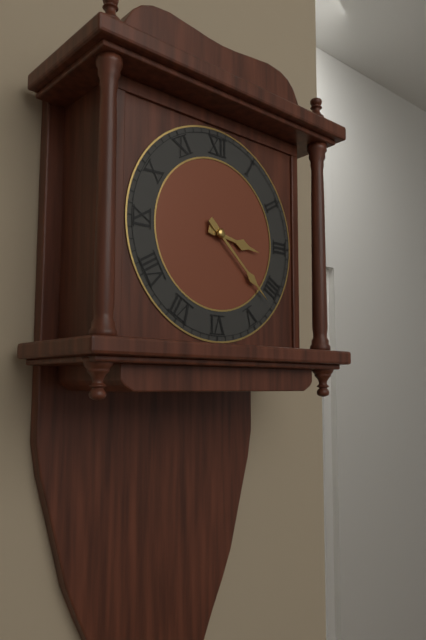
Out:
3,22
